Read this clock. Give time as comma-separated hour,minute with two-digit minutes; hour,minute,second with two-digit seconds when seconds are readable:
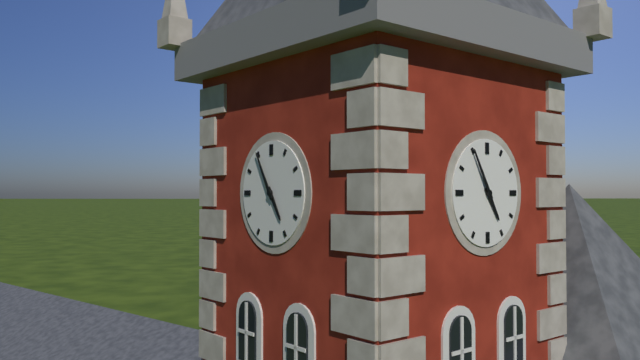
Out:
4,55
